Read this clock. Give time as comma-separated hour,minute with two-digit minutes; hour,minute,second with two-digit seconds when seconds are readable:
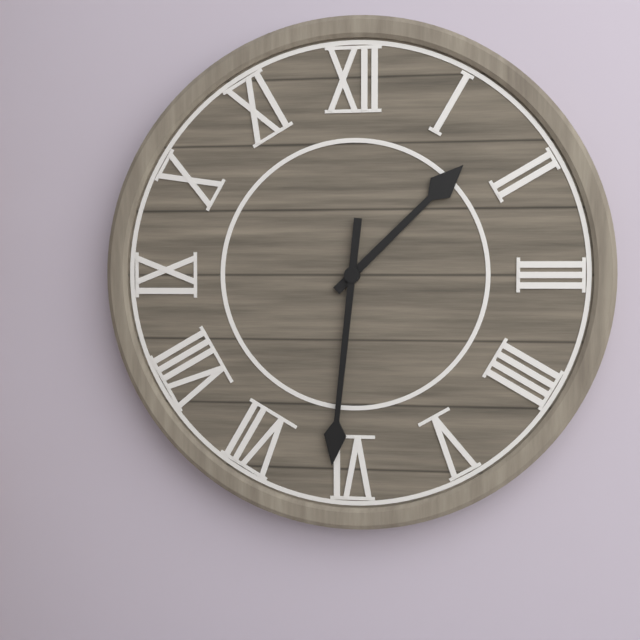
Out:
1,31
